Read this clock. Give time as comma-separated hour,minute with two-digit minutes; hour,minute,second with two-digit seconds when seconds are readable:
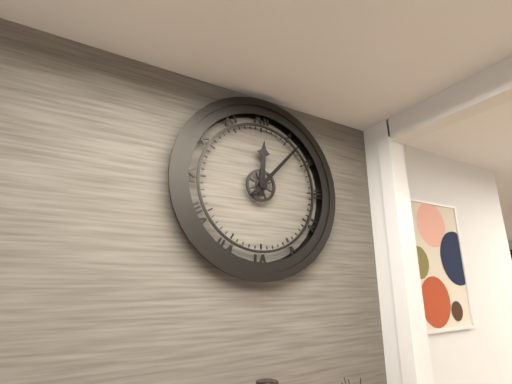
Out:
12,07
